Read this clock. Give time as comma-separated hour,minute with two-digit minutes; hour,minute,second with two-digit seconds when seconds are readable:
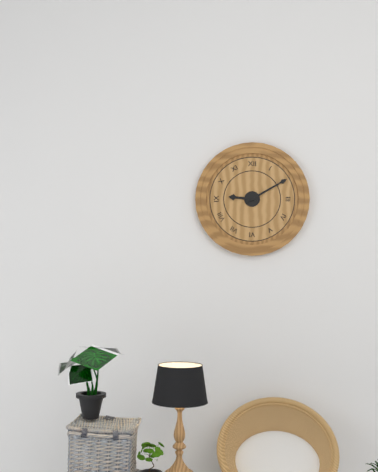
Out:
9,10
